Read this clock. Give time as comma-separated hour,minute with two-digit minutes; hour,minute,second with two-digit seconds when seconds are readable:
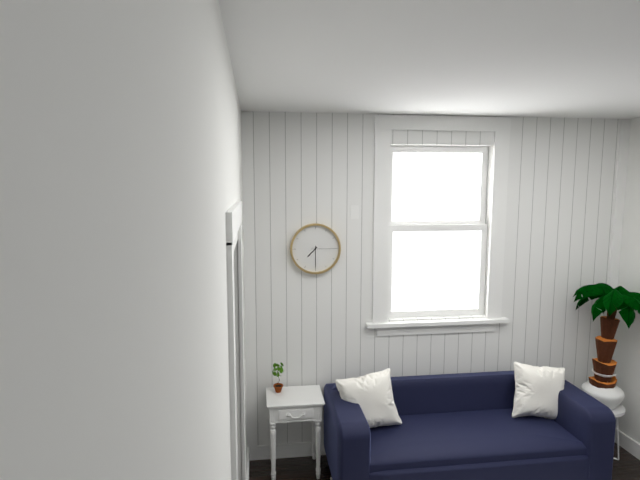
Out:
7,30
